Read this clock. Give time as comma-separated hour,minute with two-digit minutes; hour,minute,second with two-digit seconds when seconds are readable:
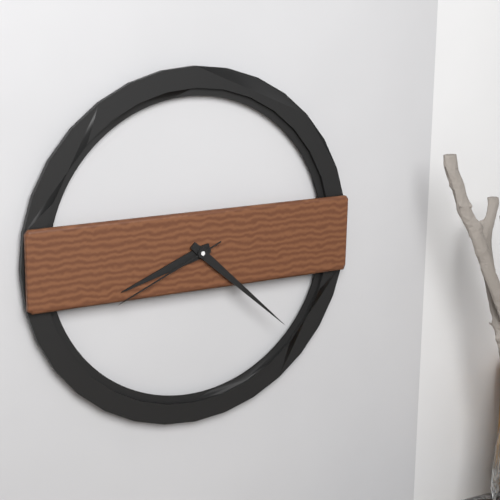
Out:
8,22,41
